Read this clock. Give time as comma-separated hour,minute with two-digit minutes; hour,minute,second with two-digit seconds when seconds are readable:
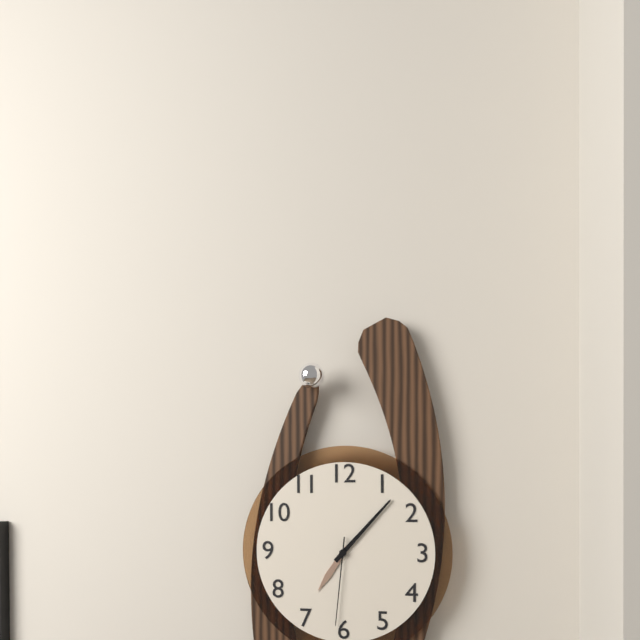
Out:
7,07,31
